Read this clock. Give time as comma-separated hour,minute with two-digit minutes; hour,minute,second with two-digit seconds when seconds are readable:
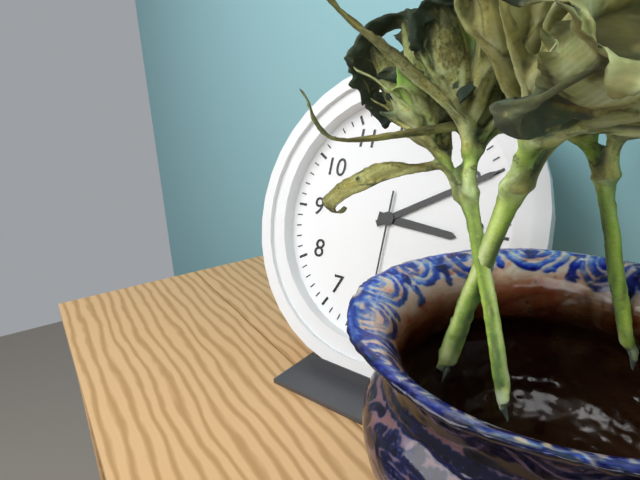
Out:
3,10
